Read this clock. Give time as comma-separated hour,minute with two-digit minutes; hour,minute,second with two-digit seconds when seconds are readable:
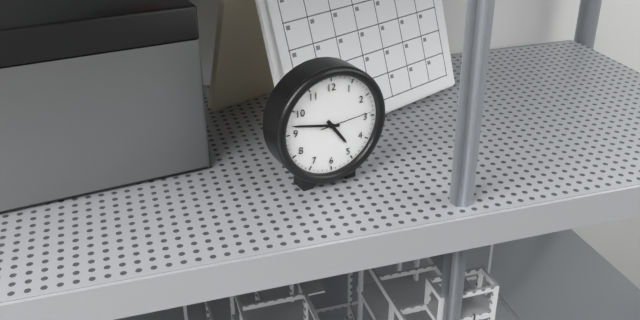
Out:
4,47,14
